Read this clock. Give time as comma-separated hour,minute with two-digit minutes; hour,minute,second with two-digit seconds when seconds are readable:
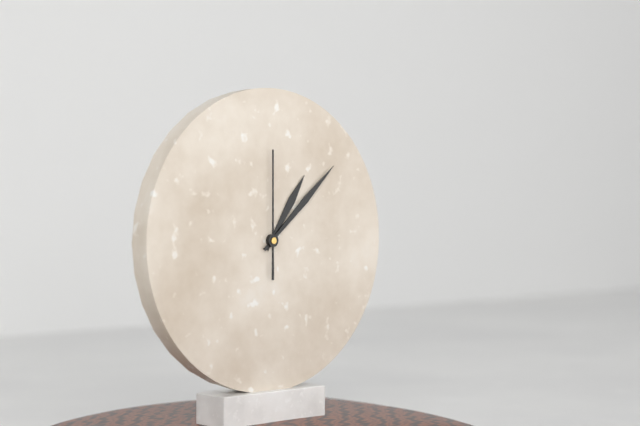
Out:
1,08,00
